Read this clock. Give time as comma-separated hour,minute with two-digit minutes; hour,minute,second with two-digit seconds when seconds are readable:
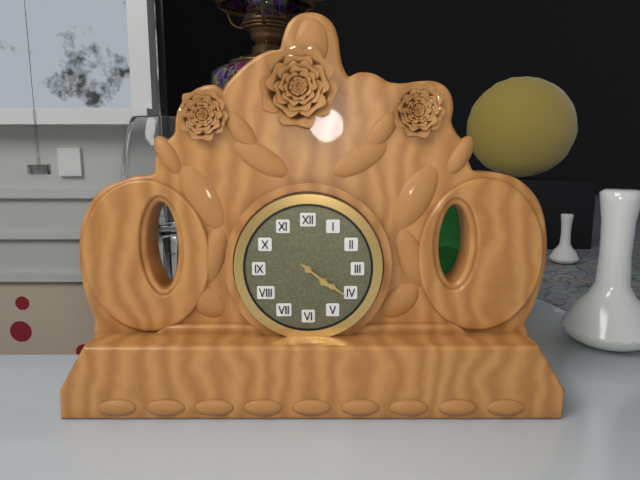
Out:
4,21
